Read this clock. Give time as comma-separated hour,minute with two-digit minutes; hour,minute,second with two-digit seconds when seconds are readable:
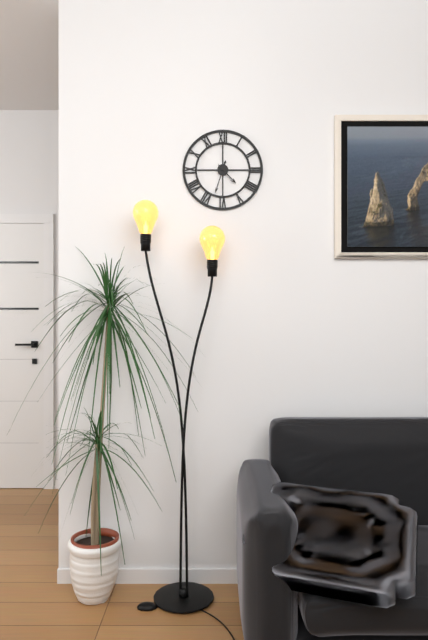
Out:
4,33
